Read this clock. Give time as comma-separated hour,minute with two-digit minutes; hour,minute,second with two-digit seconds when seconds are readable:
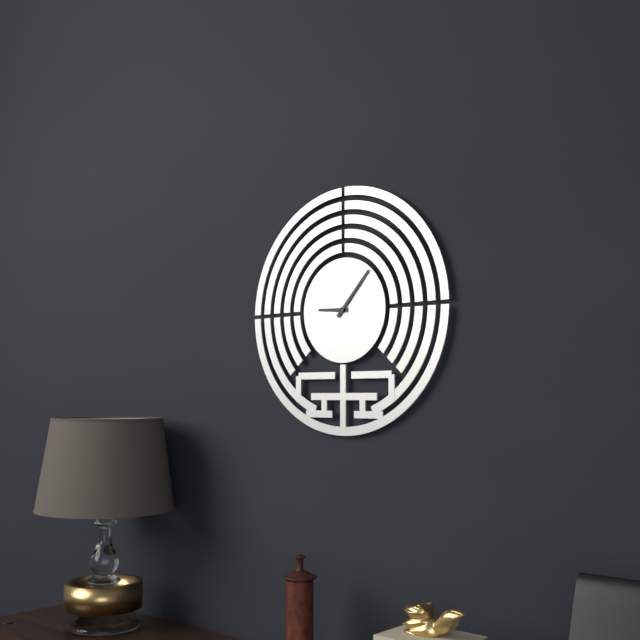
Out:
9,07
